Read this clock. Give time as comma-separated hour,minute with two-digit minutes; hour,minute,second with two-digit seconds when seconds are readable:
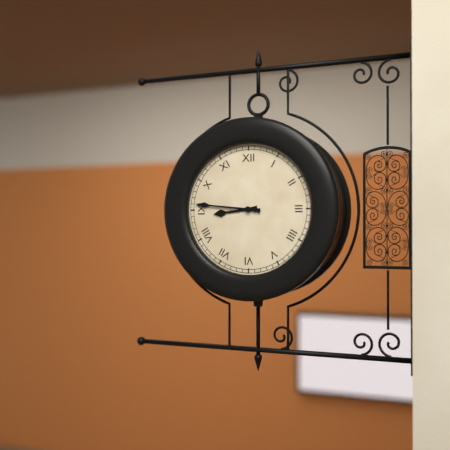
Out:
8,46
